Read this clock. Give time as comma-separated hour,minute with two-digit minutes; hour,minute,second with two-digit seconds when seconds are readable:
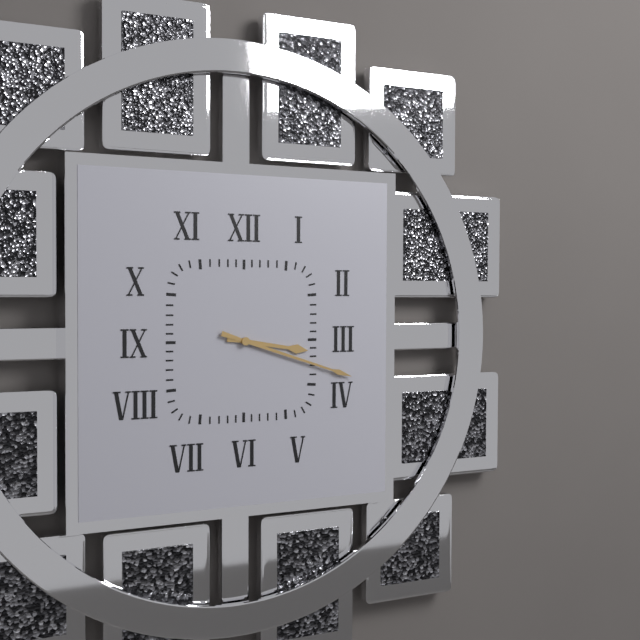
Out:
3,18
